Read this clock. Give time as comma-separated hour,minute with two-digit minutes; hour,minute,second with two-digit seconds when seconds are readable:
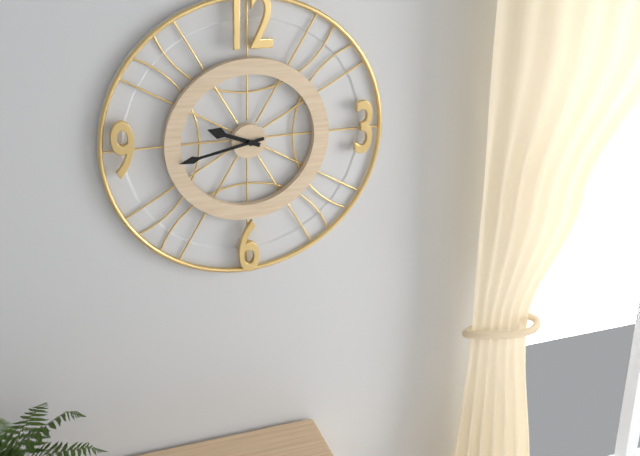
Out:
9,43
